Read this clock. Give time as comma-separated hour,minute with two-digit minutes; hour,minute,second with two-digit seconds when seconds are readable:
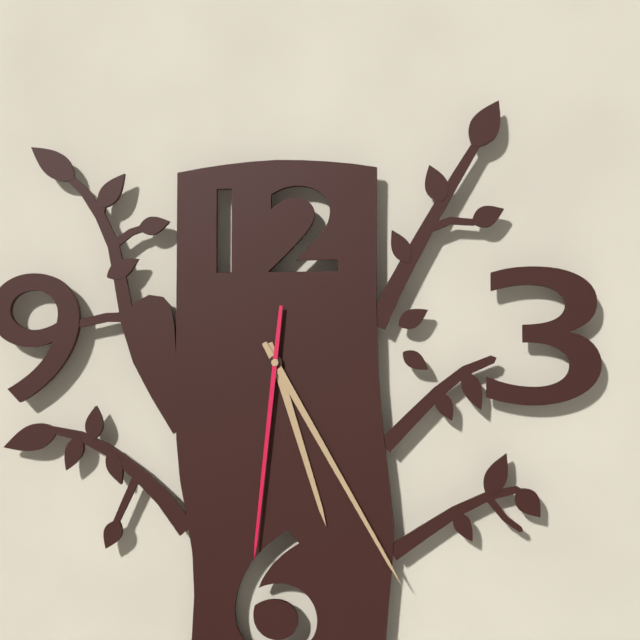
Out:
5,25,31
